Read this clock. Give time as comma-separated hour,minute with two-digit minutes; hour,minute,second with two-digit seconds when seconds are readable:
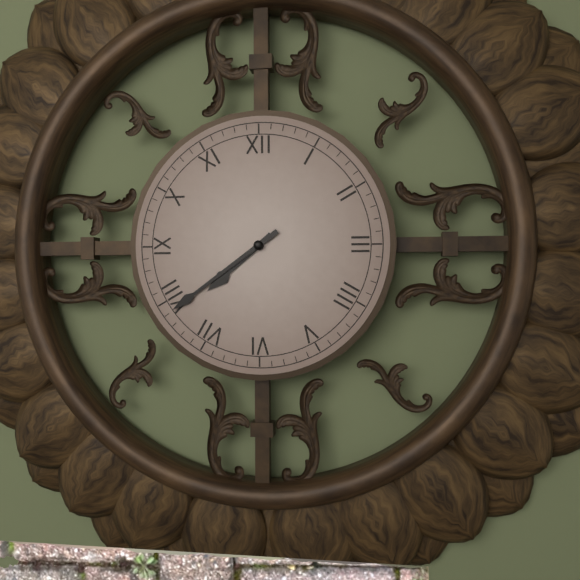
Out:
7,39
